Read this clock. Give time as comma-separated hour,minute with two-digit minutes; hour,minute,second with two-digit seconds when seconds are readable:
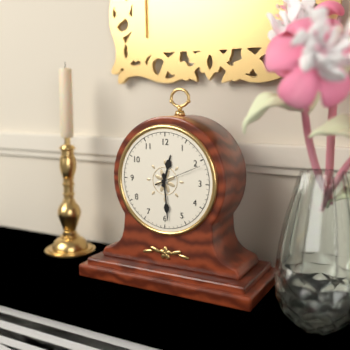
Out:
12,29
